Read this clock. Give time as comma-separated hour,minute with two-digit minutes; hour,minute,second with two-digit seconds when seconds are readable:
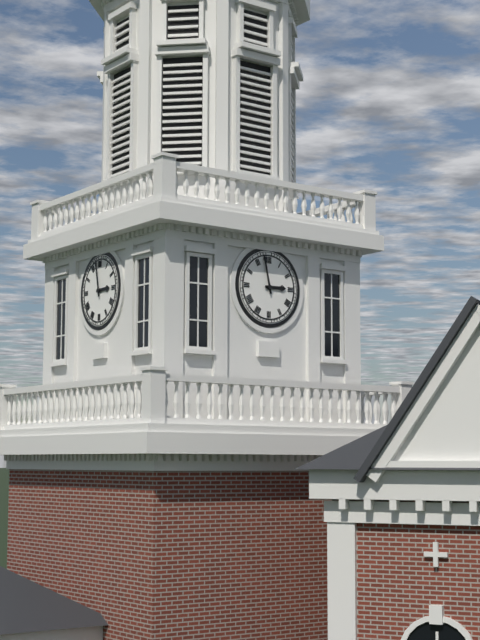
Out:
2,58
